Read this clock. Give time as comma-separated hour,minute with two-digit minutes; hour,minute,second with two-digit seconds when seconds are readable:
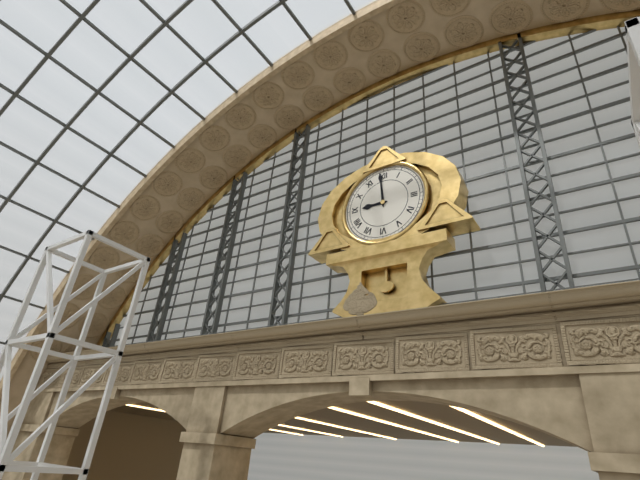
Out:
8,59
